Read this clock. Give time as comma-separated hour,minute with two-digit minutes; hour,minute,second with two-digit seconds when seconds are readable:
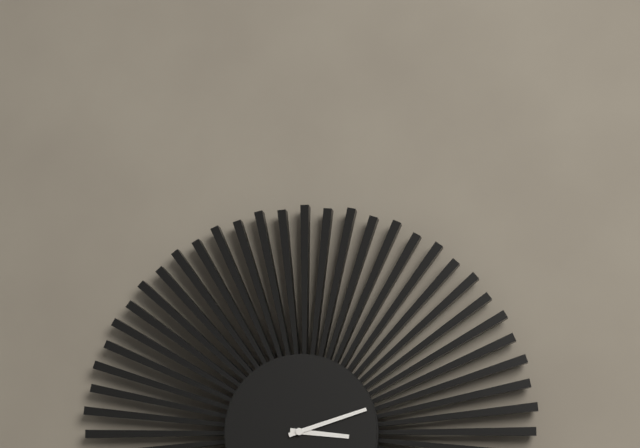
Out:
3,12
